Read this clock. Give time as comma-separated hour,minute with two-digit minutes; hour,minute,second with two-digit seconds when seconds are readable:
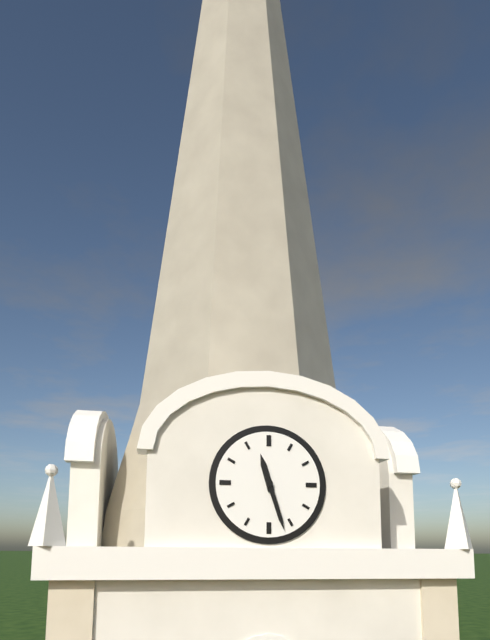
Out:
11,27
